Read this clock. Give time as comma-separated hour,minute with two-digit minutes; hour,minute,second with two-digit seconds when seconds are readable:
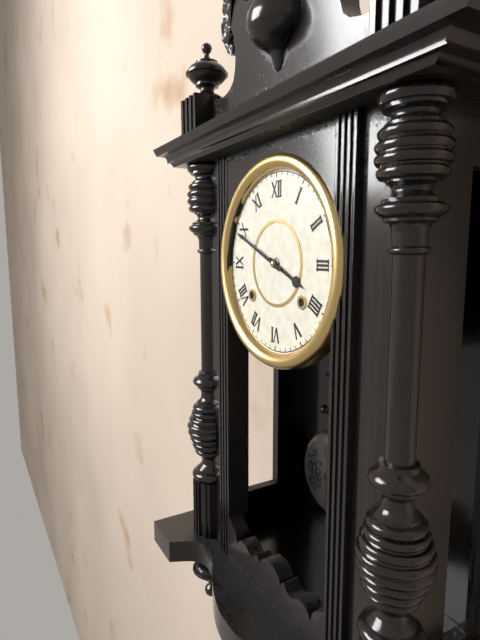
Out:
3,49
